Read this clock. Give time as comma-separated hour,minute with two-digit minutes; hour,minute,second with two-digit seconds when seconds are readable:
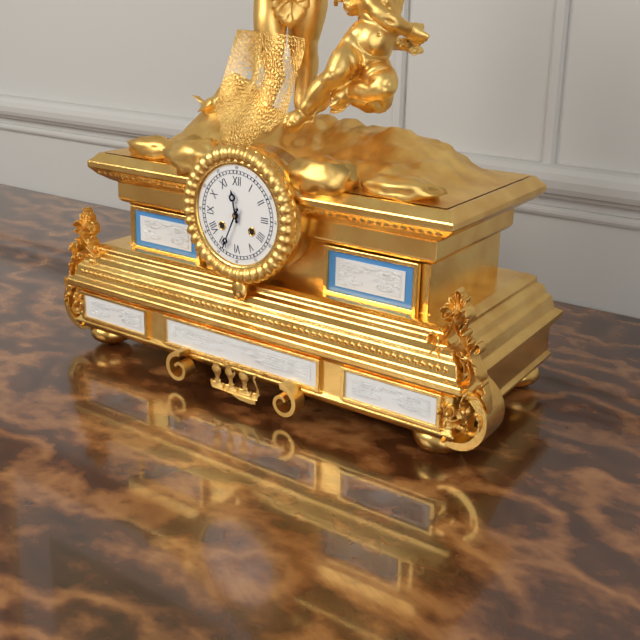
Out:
11,34
